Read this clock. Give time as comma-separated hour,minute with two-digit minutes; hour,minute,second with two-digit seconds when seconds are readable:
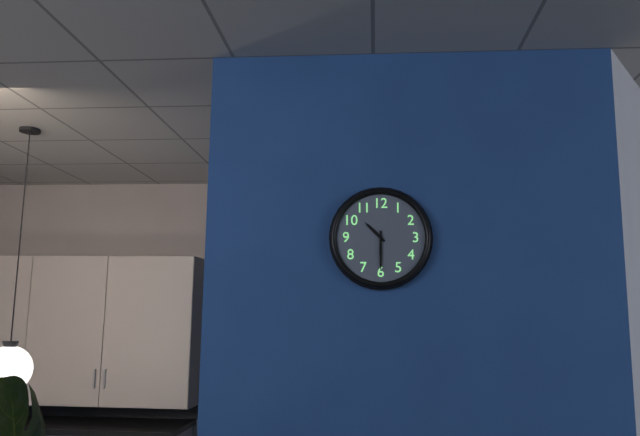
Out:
10,30
